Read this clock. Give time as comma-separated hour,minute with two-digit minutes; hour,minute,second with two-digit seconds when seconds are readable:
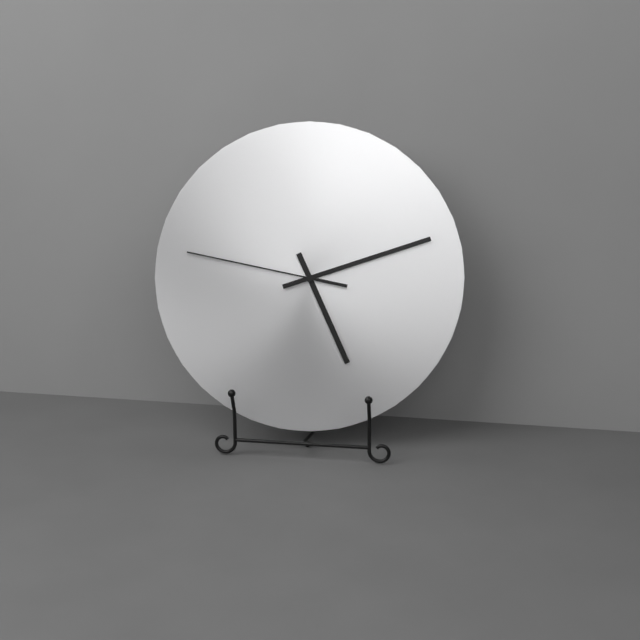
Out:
5,12,47
